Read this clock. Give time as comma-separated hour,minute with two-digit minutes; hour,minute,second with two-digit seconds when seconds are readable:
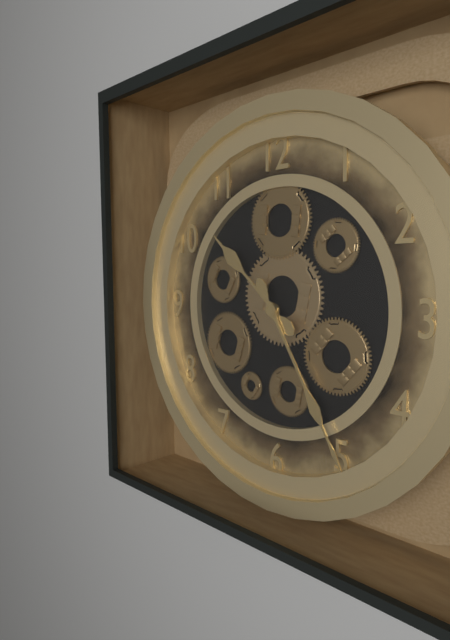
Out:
10,25
